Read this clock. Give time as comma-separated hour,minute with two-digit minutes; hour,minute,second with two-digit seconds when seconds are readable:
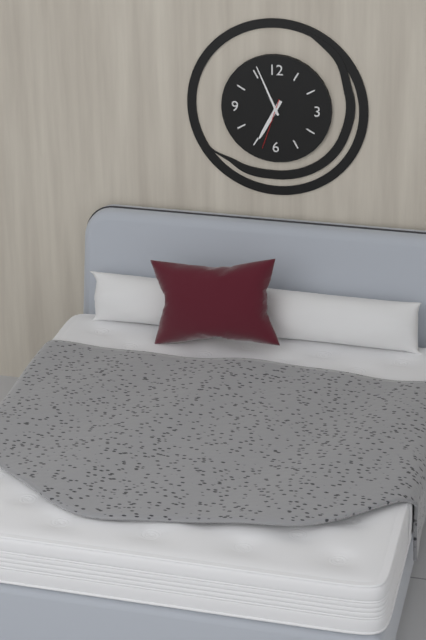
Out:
6,56,33
